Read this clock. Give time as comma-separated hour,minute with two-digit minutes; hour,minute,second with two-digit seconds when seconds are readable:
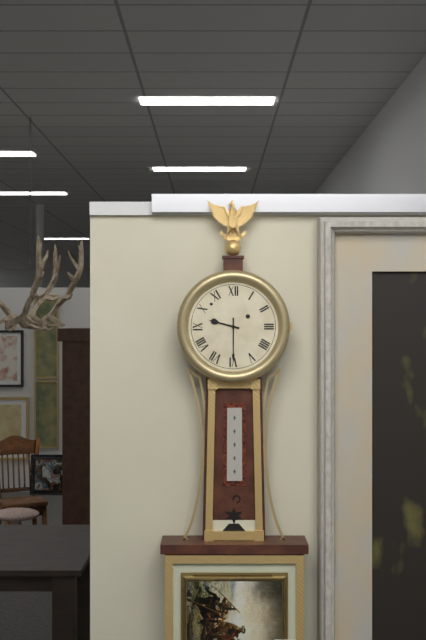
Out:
9,30
